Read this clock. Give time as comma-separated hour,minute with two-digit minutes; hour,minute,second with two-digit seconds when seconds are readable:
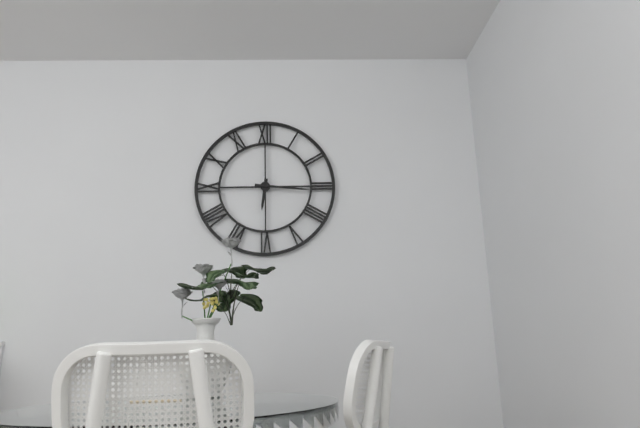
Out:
6,16
